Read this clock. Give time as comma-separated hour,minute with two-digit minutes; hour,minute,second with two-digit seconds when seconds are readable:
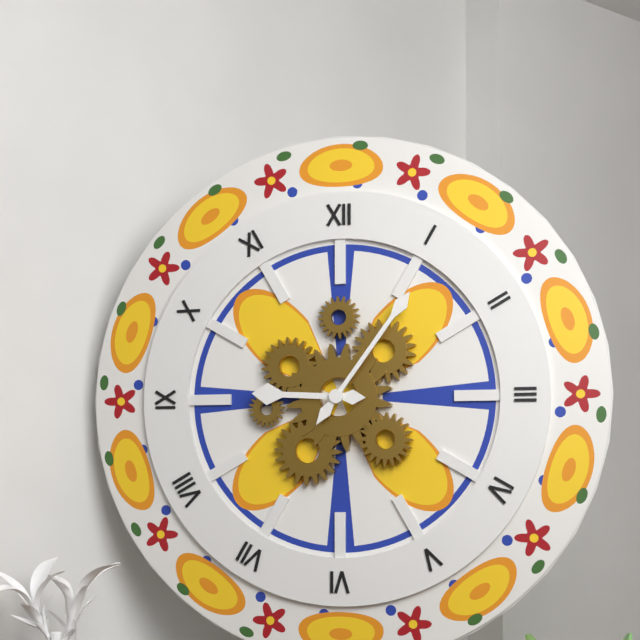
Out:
9,06
